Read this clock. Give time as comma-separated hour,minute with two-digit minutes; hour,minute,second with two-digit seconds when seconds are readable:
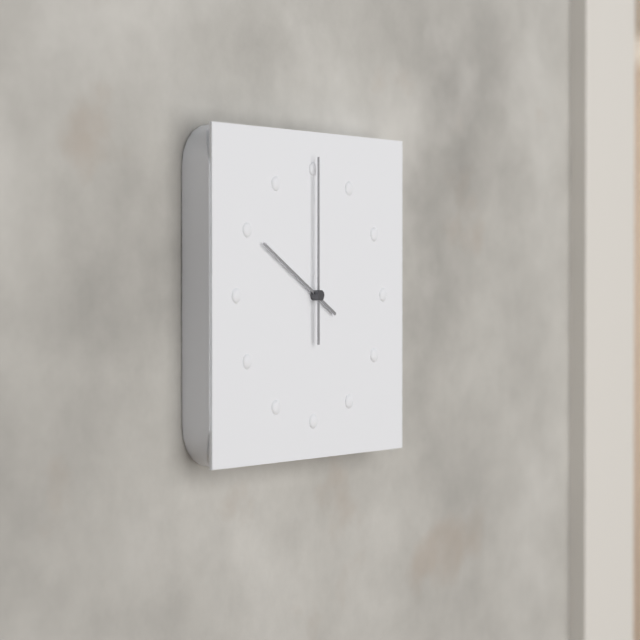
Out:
10,00
